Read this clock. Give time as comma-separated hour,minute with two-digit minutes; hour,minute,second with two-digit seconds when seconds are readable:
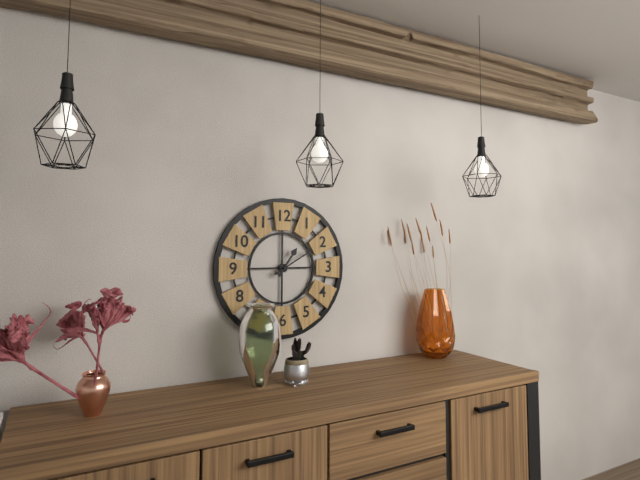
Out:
1,10
